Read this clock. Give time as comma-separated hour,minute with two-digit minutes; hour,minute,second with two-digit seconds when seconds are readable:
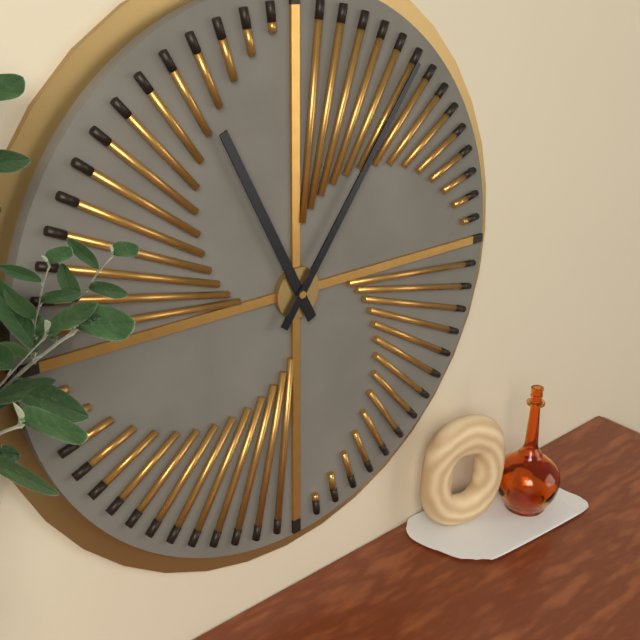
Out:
11,06
